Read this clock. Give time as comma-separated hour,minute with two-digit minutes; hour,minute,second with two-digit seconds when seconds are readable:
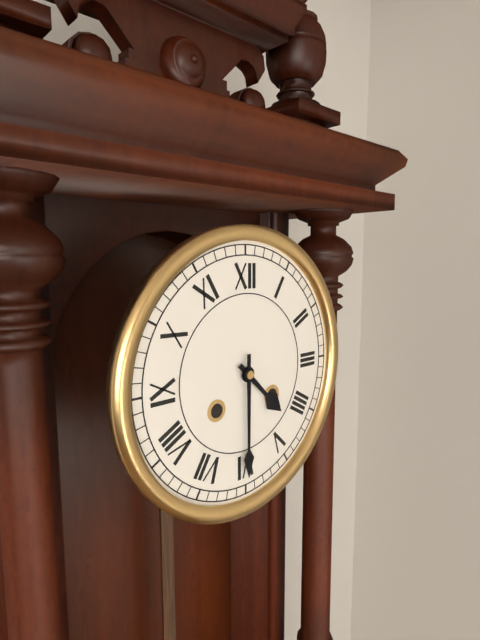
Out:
4,30
